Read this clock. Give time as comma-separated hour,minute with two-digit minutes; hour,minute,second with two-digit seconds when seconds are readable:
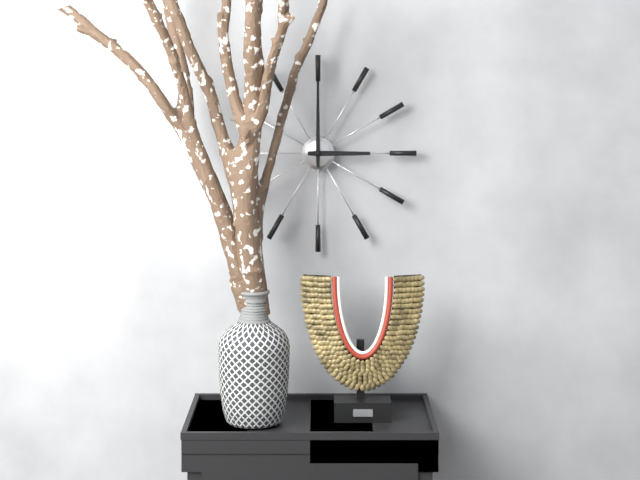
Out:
3,00
